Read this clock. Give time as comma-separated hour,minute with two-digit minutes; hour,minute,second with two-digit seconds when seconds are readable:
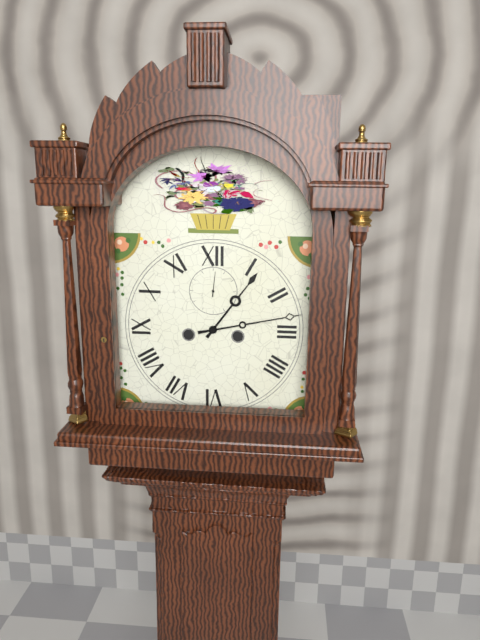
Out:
1,13
